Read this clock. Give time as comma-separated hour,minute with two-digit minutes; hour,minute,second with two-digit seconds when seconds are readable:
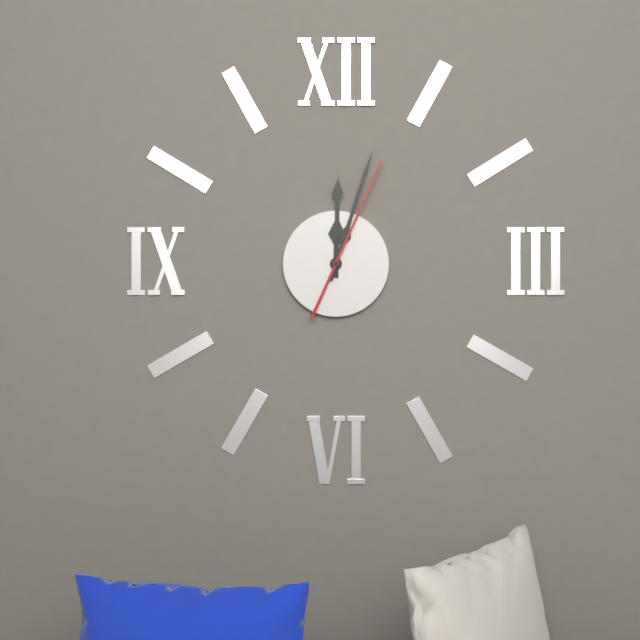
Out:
12,03,04
